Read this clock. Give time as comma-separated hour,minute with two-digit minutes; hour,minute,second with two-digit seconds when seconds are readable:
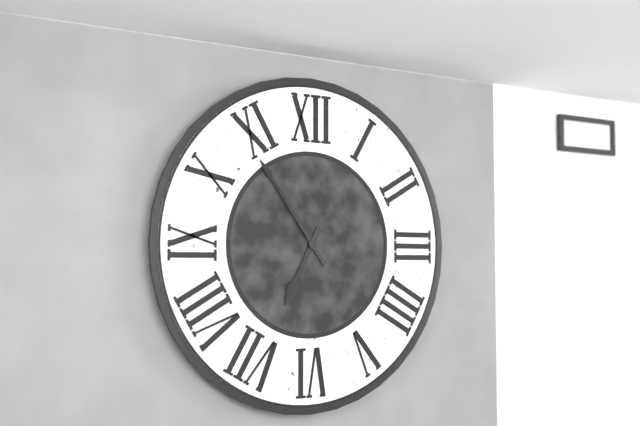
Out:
6,54
